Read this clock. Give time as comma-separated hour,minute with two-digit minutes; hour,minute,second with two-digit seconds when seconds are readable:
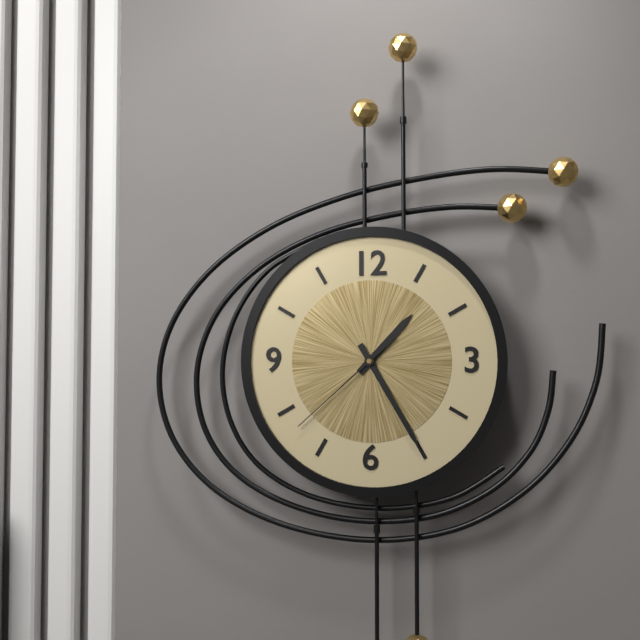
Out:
1,25,38
